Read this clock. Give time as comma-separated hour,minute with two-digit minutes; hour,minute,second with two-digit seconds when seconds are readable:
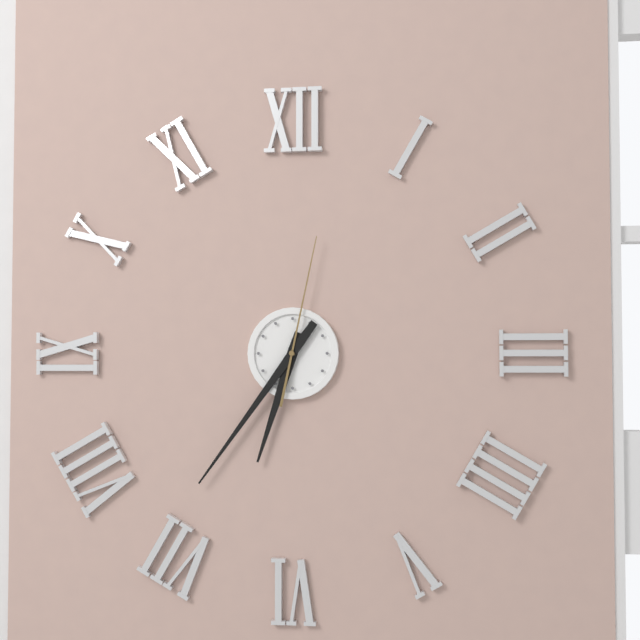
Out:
6,36,02
